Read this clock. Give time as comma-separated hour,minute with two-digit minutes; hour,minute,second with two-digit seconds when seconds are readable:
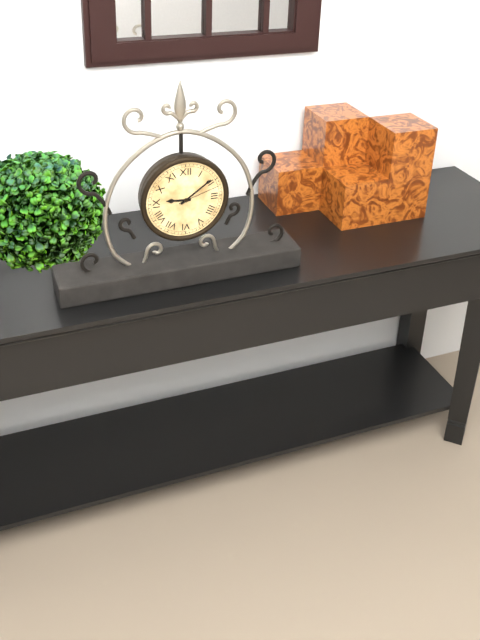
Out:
9,09
